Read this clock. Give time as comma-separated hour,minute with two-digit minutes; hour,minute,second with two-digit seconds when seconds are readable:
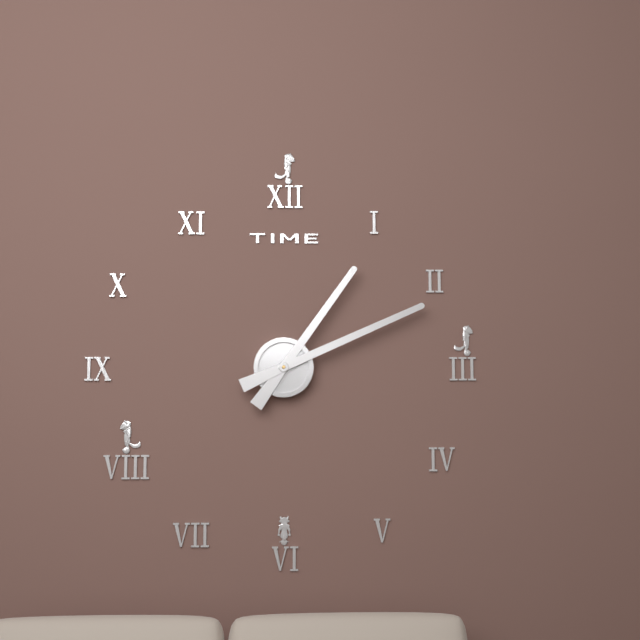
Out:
1,11
